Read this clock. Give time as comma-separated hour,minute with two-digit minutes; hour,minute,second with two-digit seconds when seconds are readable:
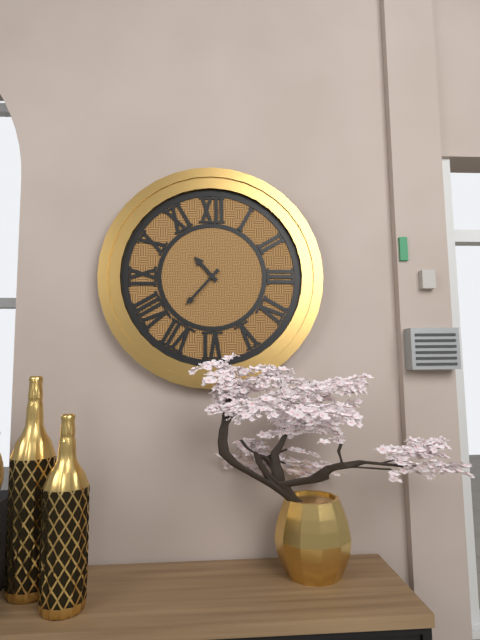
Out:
10,37
